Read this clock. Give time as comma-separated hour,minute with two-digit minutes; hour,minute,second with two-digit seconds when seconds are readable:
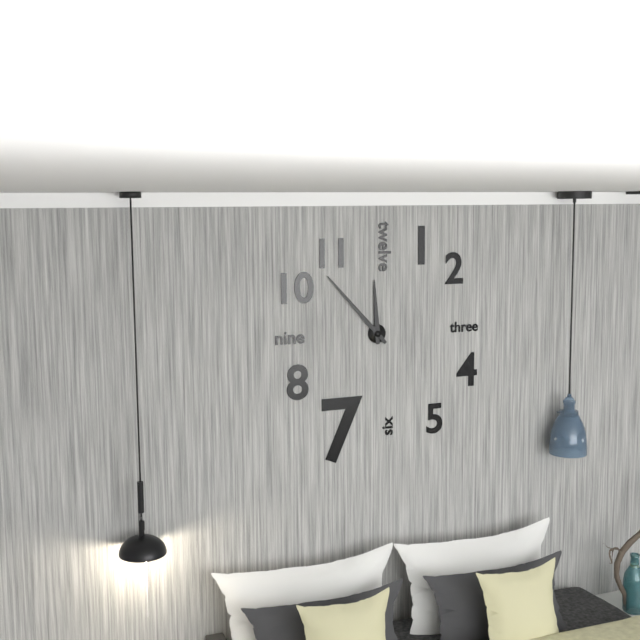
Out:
11,53
